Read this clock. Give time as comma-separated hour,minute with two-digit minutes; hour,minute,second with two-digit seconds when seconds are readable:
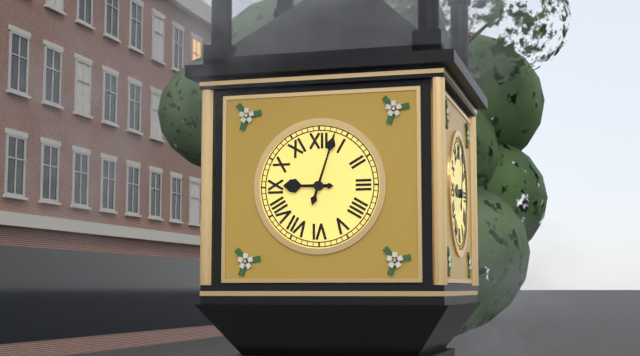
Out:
9,03
